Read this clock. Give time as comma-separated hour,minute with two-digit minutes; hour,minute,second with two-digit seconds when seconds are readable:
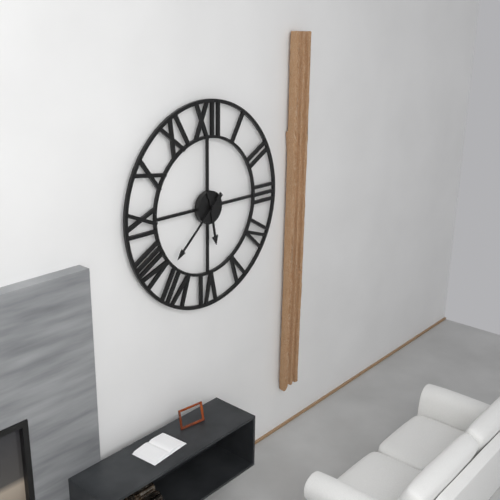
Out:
5,38
